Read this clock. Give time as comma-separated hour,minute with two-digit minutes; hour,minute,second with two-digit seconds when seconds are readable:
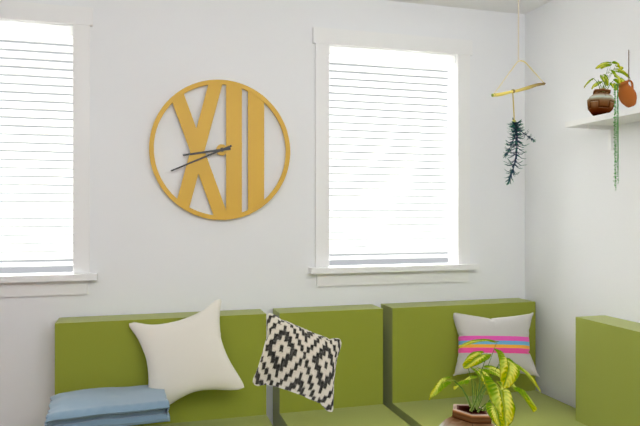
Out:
8,41
